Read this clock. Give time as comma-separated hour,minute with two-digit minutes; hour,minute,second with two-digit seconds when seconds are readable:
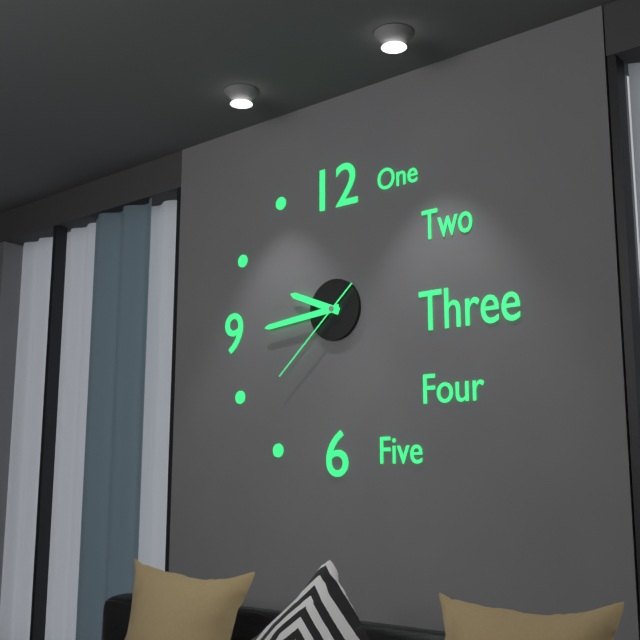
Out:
9,44,38
